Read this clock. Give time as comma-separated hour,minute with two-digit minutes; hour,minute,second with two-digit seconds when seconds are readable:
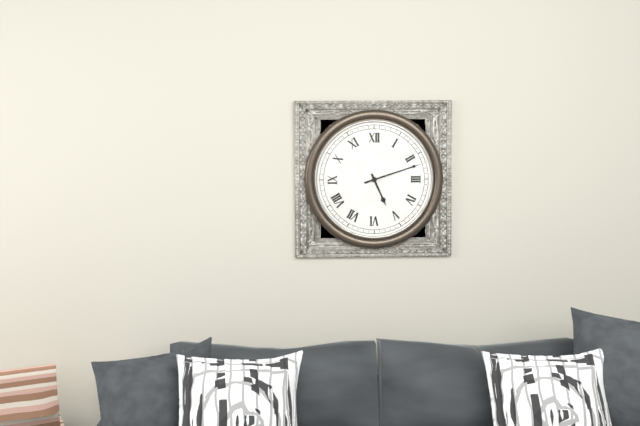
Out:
5,12
